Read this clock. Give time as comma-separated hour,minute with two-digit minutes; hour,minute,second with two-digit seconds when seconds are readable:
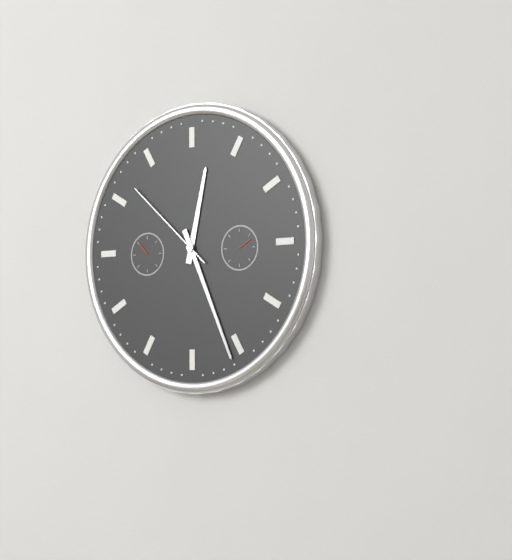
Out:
12,26,52
